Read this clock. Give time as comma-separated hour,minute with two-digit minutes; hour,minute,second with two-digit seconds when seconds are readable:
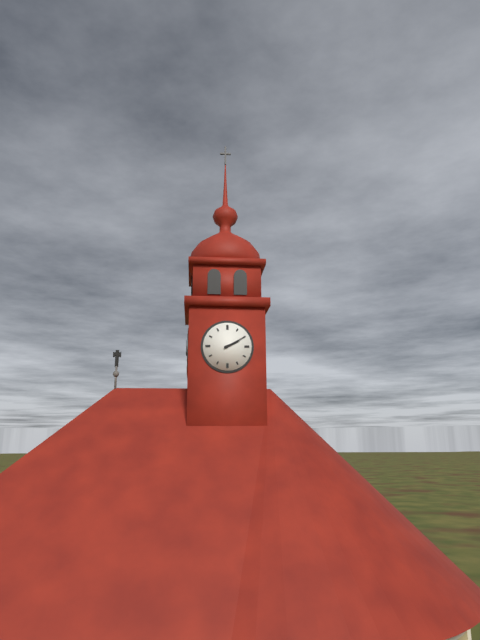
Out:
2,10
